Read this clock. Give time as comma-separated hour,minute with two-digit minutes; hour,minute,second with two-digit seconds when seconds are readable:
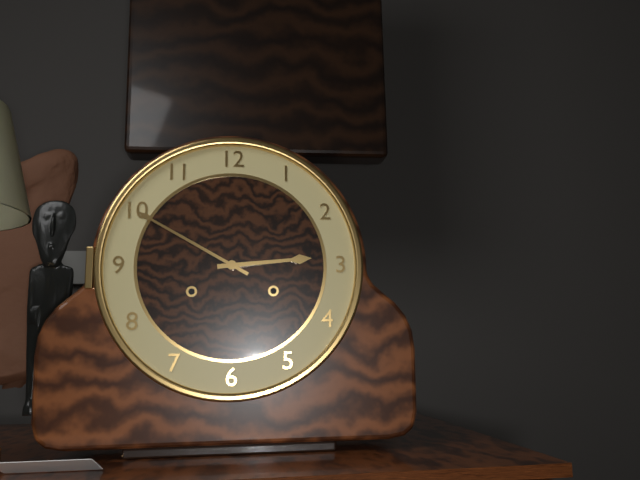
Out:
2,50
